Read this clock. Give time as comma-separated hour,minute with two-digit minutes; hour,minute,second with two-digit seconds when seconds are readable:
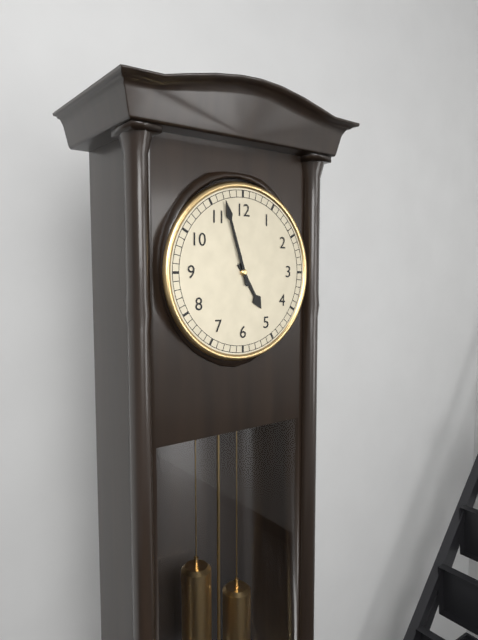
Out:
4,57
